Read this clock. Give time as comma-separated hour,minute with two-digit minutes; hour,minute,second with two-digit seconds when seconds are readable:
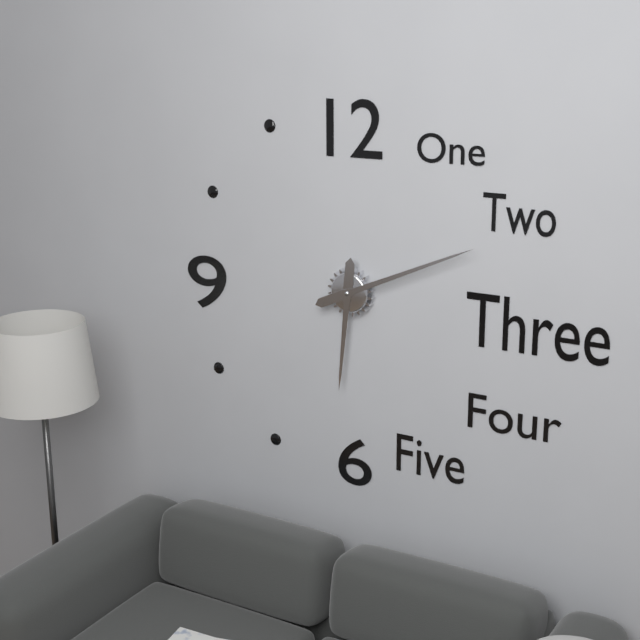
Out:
6,11
